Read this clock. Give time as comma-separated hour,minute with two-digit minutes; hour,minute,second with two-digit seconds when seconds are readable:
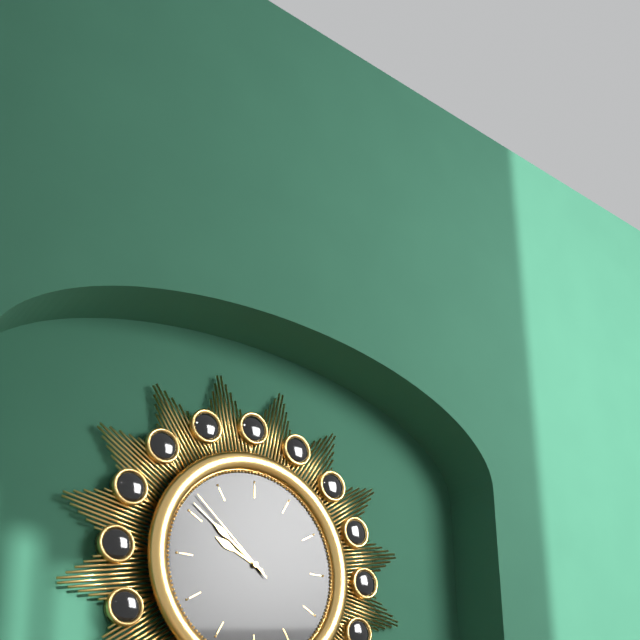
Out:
9,51,52
